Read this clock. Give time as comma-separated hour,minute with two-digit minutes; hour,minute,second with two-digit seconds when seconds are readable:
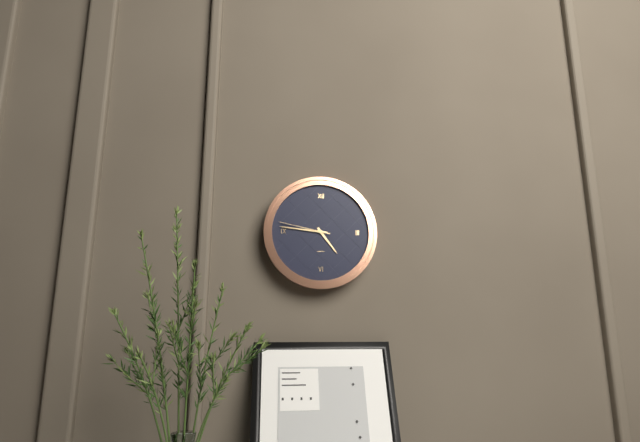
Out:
4,46,47
